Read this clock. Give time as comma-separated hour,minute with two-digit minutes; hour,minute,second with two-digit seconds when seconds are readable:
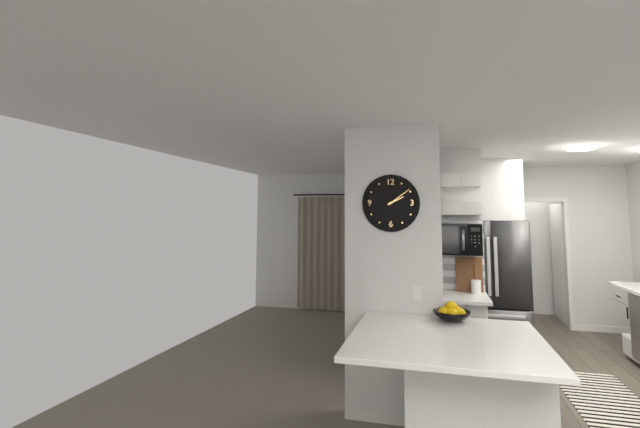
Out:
2,09
